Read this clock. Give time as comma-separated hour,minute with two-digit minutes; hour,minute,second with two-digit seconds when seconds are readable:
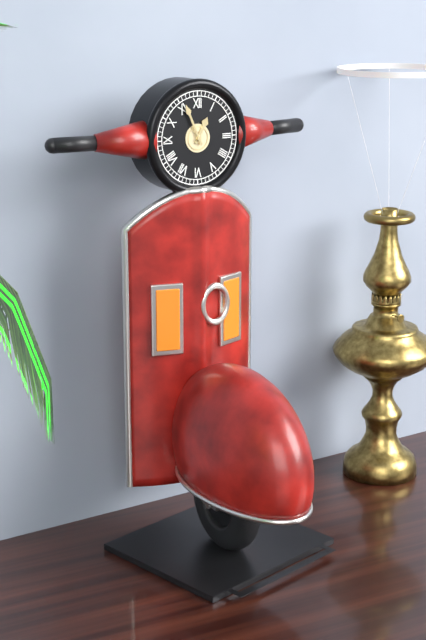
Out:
12,56
